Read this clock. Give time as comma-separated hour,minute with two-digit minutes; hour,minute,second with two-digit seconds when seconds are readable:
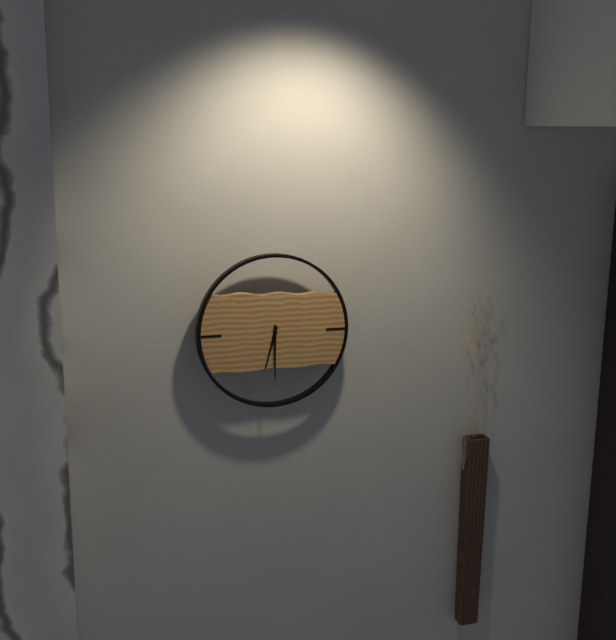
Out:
6,30
